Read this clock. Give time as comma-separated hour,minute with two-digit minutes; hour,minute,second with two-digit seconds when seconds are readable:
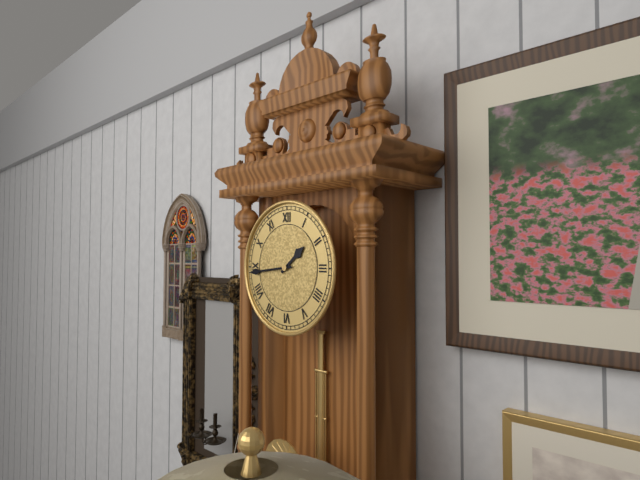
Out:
1,44
